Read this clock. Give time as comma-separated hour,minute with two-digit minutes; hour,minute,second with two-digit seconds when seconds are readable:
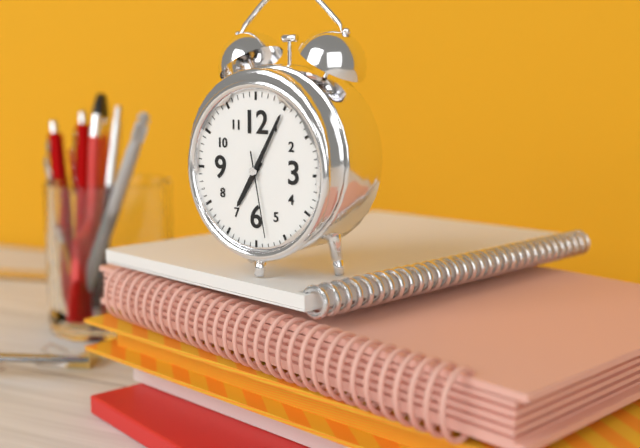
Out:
7,05,28
